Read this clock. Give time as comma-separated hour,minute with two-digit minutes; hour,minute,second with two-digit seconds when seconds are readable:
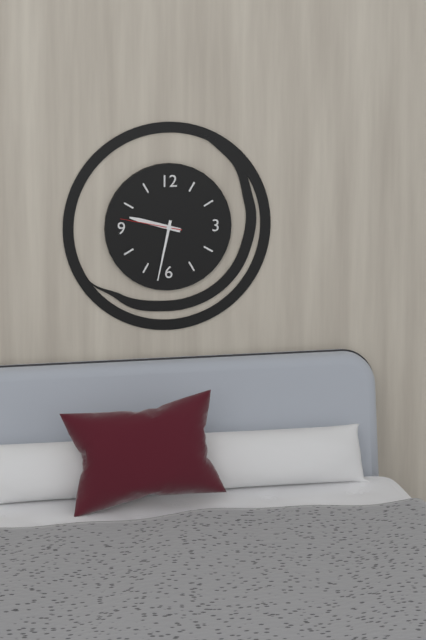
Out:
9,32,47
